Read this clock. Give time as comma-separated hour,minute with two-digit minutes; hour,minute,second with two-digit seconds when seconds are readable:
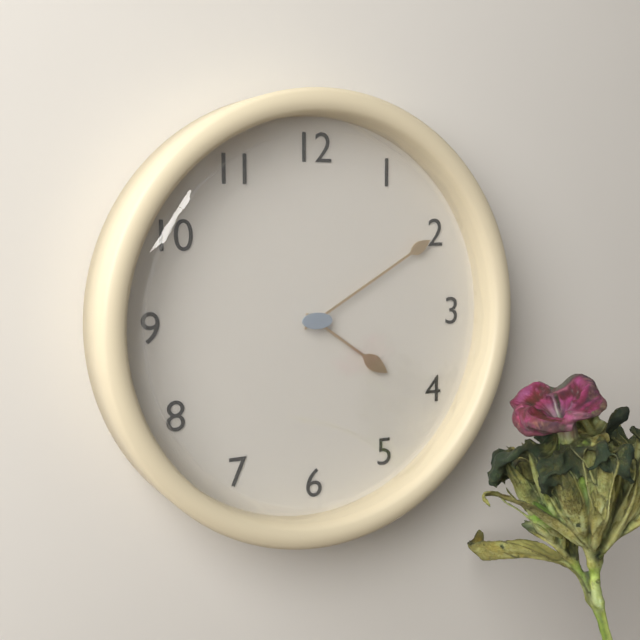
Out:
4,10
